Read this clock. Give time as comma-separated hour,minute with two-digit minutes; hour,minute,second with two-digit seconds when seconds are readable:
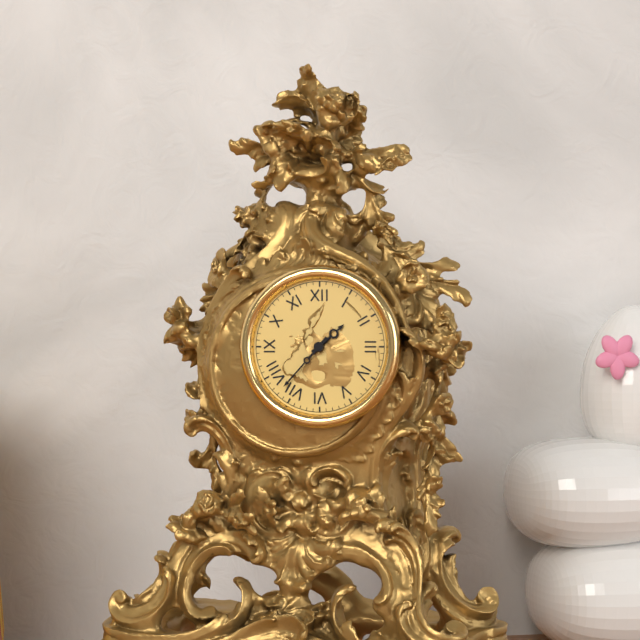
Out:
1,37
